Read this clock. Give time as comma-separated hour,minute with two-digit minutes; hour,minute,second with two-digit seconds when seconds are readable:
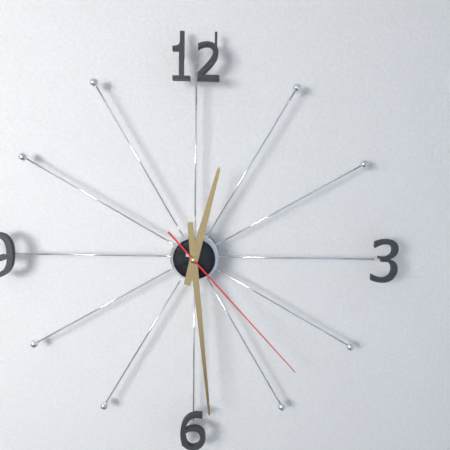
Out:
12,29,23
